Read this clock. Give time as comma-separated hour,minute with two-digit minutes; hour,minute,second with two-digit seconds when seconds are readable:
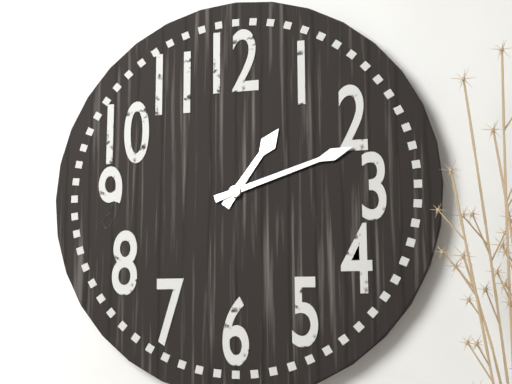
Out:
1,12
